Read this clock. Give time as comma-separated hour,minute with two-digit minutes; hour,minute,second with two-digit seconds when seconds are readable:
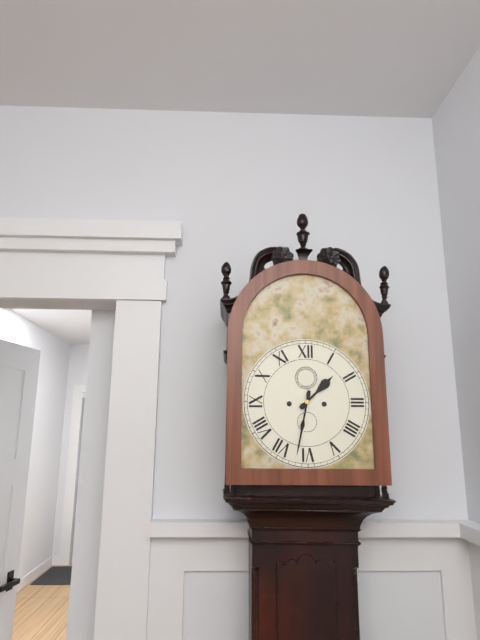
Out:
1,32
